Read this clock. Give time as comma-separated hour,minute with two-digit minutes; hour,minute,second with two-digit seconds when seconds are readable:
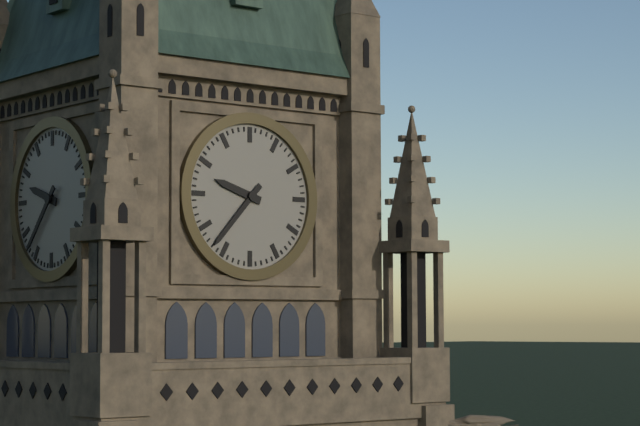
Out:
9,37
